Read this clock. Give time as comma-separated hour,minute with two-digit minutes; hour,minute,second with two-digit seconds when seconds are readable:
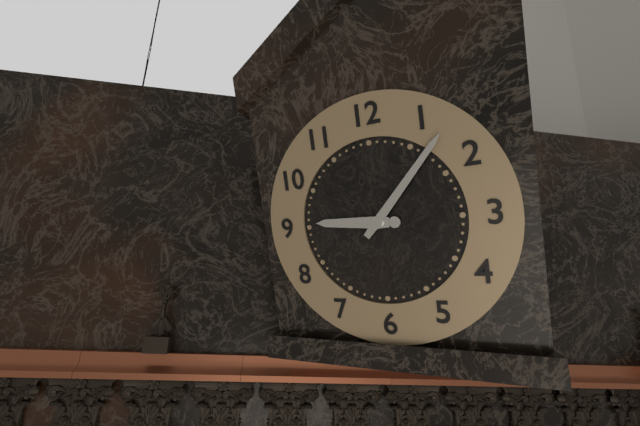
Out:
9,07
